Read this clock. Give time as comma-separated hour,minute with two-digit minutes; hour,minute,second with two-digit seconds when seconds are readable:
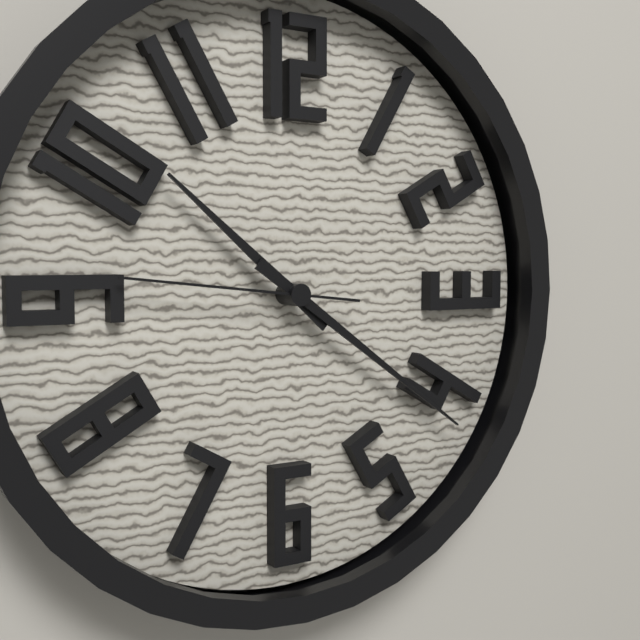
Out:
10,21,46
